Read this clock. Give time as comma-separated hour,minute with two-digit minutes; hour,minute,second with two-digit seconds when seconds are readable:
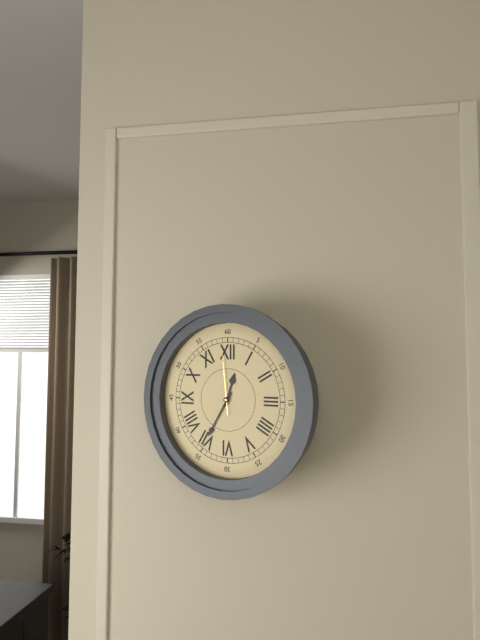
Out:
12,35,59
